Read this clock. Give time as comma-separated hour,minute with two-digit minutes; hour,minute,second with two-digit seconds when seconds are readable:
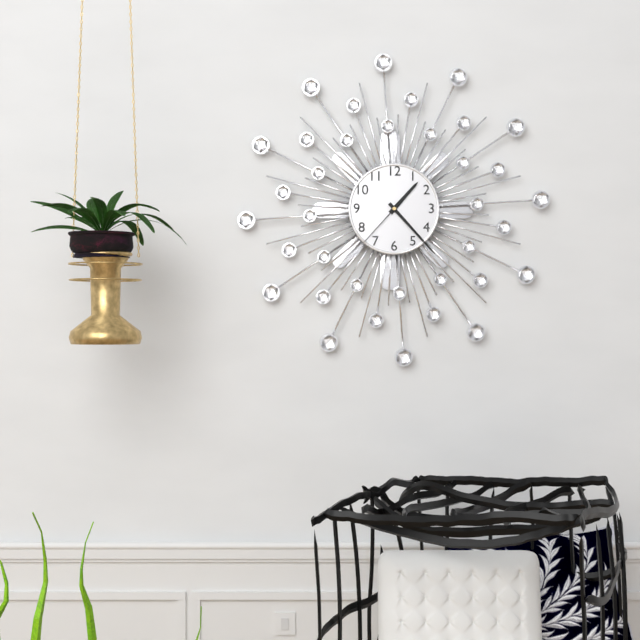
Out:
1,23,37
